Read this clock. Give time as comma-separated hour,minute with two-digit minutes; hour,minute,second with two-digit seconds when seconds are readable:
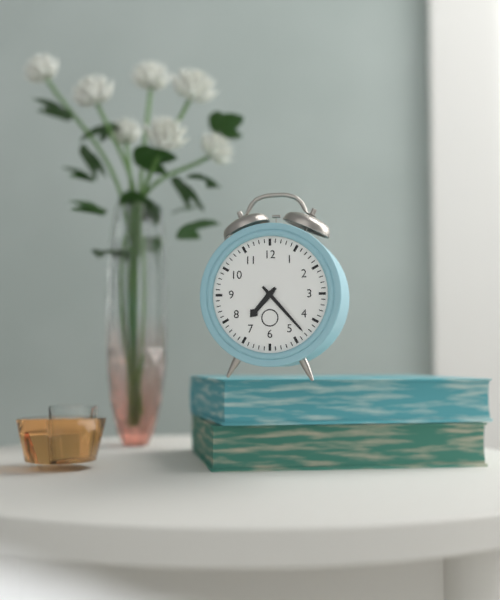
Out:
7,23
